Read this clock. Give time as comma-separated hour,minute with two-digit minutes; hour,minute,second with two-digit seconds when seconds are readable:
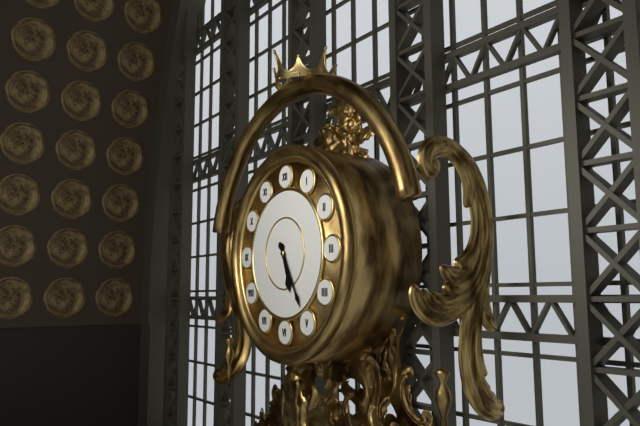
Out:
5,25
